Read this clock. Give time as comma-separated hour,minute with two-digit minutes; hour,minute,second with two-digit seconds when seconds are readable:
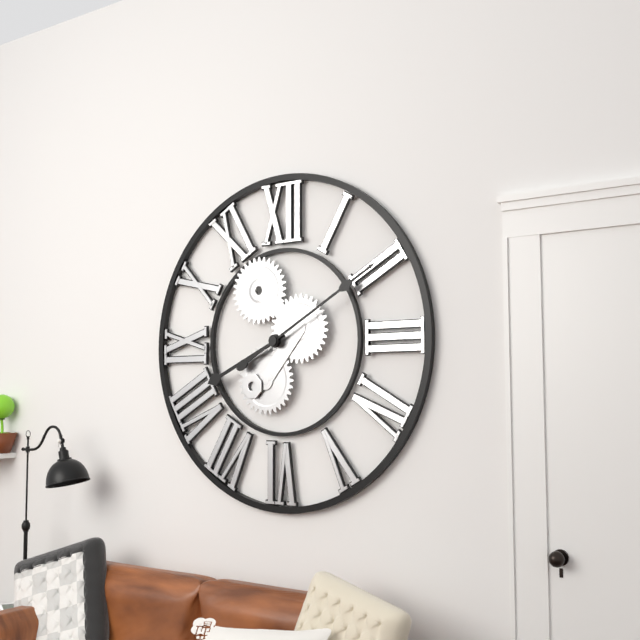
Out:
8,10
